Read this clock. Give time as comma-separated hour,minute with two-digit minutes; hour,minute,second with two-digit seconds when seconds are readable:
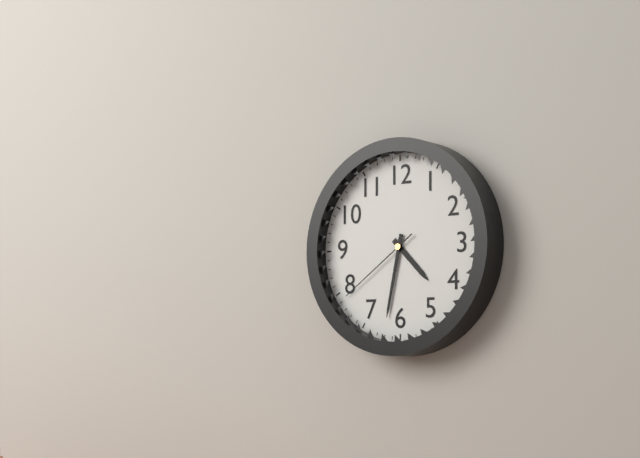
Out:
4,32,39
